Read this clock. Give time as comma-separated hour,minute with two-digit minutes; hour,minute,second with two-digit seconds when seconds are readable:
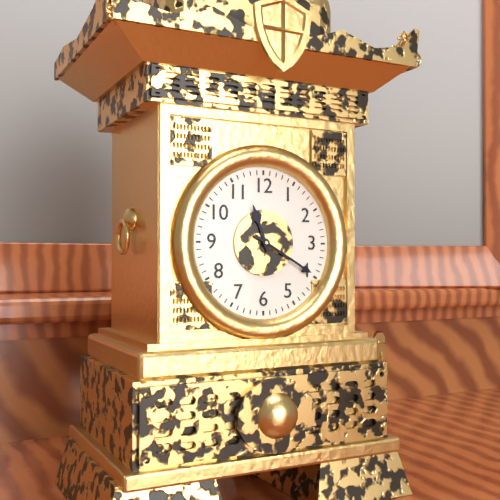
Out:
11,20
